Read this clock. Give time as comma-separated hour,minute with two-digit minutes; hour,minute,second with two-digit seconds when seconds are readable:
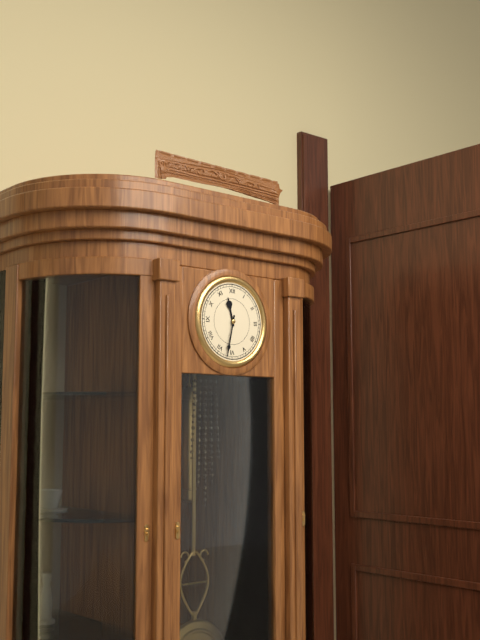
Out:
11,32
